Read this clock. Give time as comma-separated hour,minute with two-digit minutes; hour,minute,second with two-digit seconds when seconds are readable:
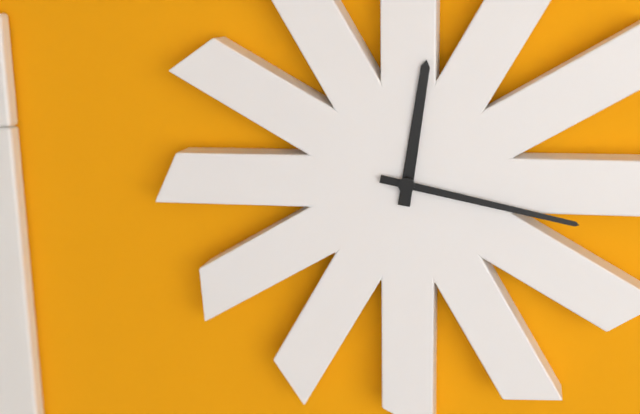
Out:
12,17
